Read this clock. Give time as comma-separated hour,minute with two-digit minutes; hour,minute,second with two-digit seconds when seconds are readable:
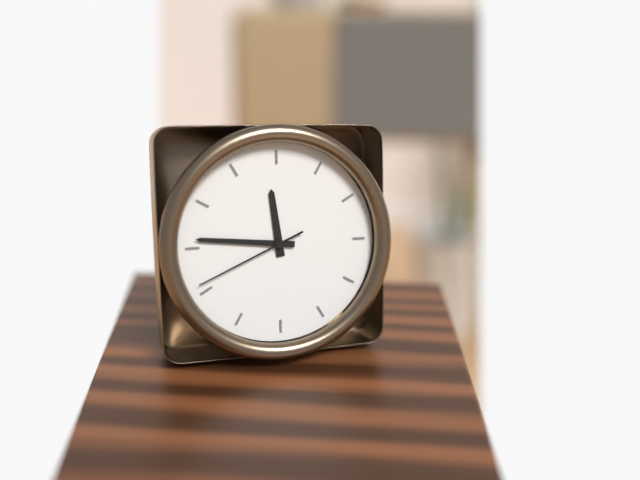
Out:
11,46,41
